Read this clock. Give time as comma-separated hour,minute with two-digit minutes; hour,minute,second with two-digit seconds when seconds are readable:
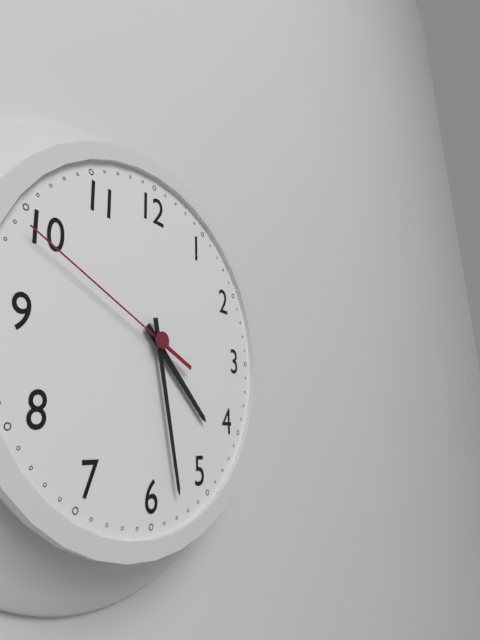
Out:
4,28,49
